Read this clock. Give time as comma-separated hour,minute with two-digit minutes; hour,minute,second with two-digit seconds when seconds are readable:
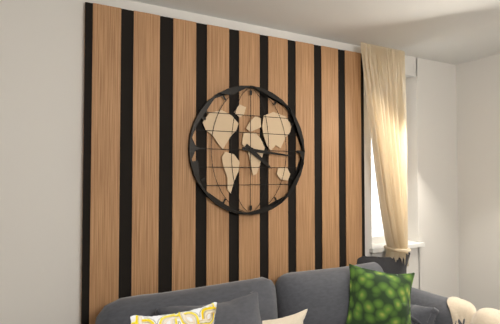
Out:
4,16
